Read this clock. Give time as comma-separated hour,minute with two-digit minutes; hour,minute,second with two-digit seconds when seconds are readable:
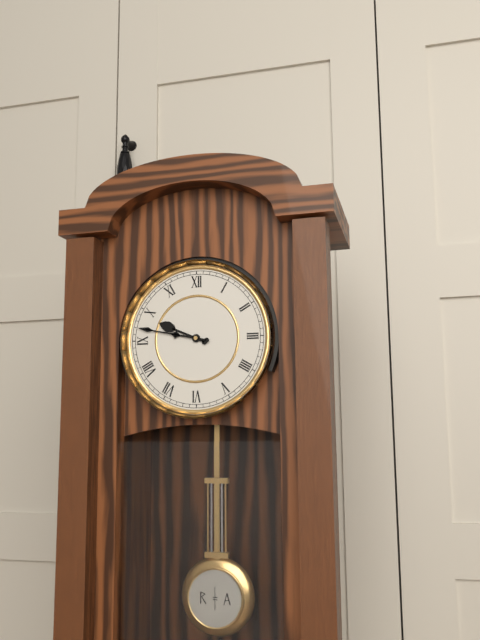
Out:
9,47
